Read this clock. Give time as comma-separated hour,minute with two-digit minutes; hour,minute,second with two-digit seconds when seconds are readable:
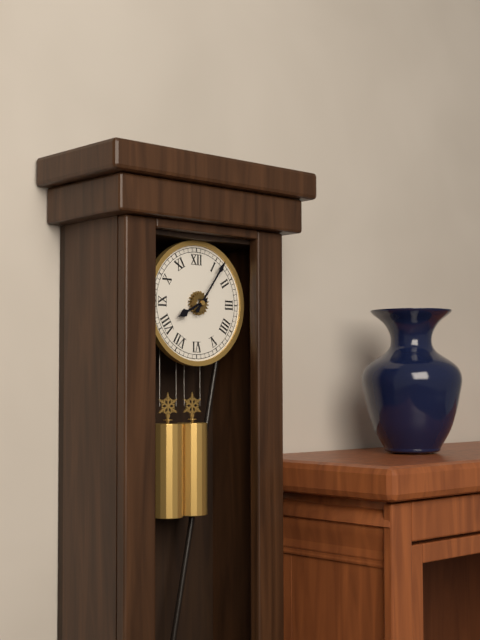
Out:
8,06
